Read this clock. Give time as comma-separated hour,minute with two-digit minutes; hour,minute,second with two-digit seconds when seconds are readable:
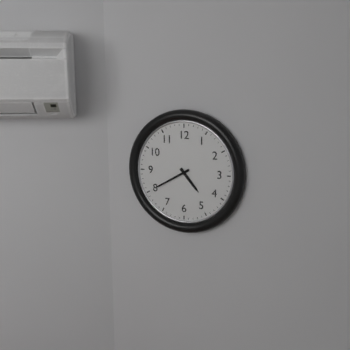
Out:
4,40
